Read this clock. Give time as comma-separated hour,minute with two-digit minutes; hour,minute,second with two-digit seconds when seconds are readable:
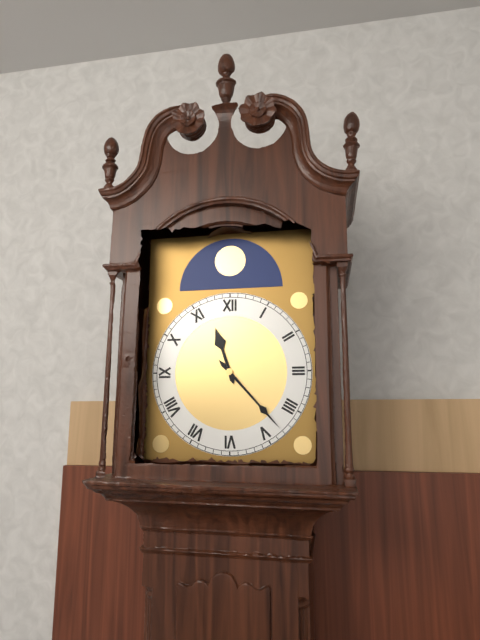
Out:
11,23
